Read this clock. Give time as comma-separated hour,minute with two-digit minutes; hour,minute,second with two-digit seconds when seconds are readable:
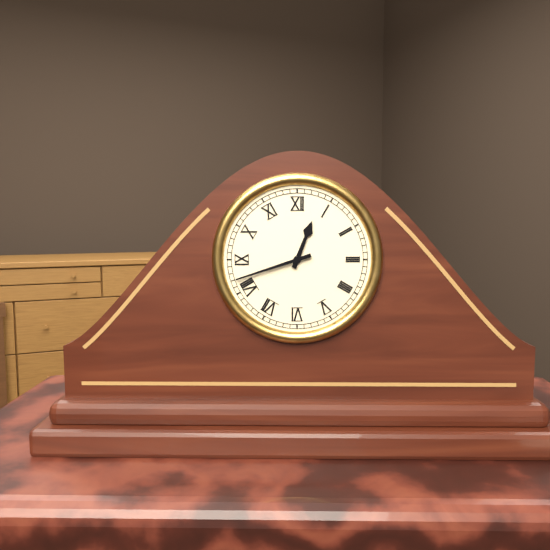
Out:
12,42
